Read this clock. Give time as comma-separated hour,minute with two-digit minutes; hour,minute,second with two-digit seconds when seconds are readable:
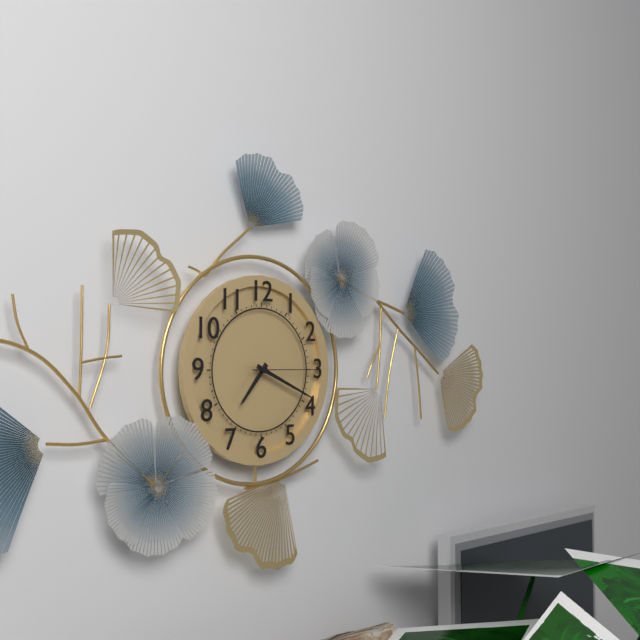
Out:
7,19,15
